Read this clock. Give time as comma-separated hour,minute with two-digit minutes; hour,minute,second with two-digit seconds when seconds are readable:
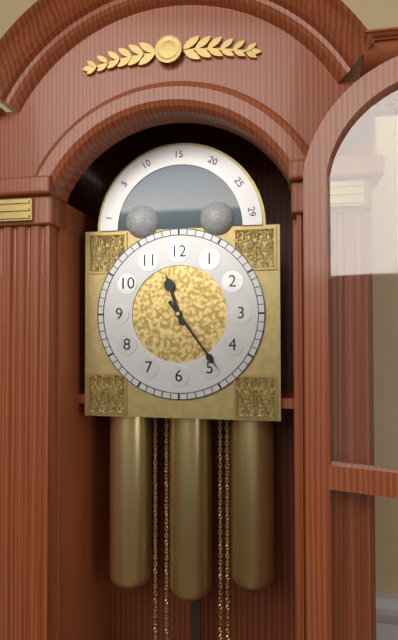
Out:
11,24
